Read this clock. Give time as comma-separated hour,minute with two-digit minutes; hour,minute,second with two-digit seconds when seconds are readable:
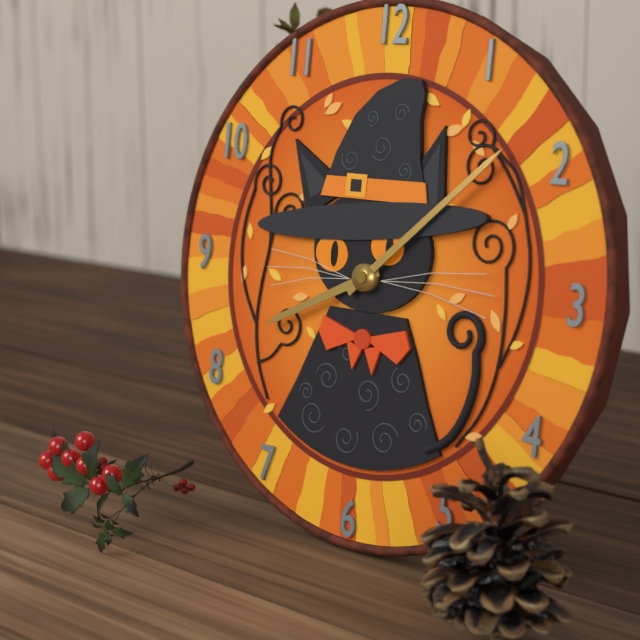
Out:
8,08
